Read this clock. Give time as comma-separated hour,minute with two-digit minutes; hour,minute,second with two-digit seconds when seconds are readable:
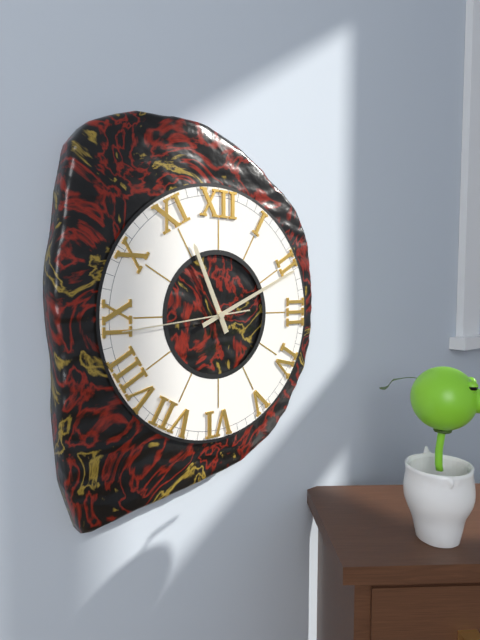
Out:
11,11,44
